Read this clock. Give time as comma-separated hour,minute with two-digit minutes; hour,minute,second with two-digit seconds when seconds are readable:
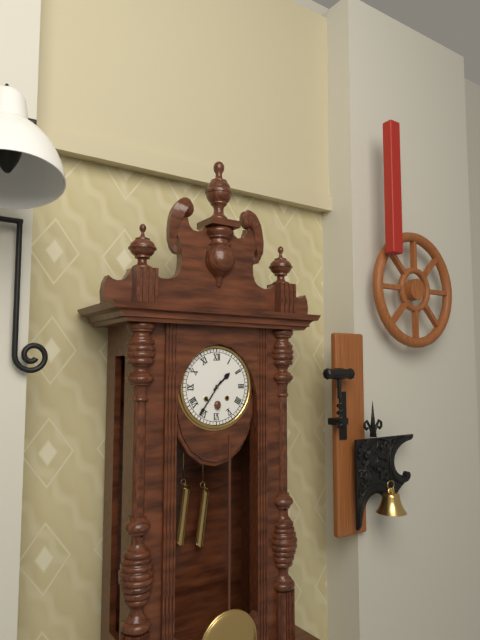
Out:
1,36
